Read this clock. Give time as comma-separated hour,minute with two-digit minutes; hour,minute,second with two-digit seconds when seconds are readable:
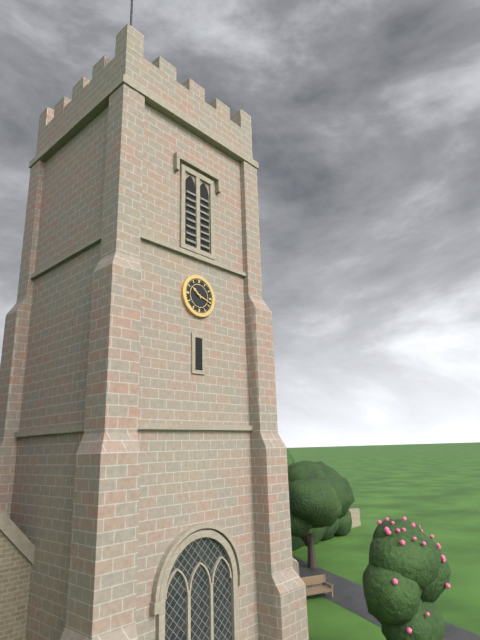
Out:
10,18
